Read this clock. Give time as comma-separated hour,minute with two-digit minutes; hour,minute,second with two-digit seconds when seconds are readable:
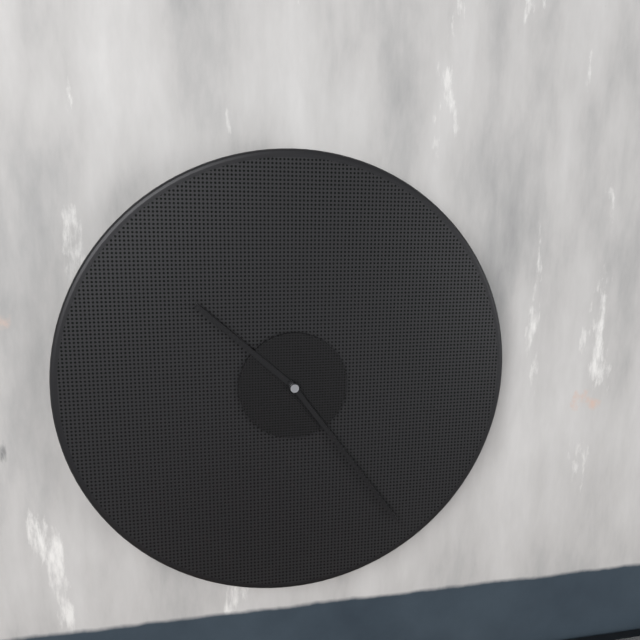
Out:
10,24
